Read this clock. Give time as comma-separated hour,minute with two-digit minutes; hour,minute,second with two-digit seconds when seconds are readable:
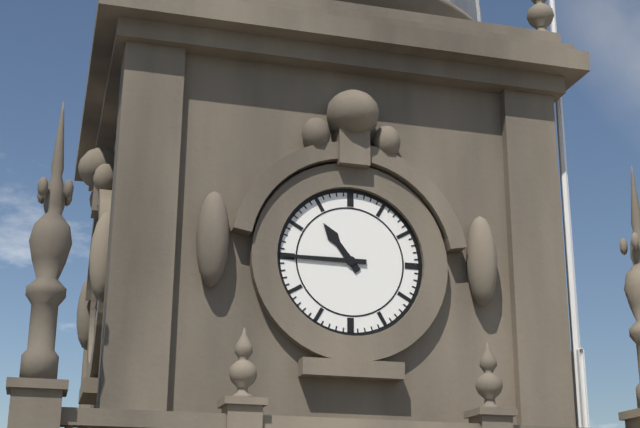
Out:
10,45
